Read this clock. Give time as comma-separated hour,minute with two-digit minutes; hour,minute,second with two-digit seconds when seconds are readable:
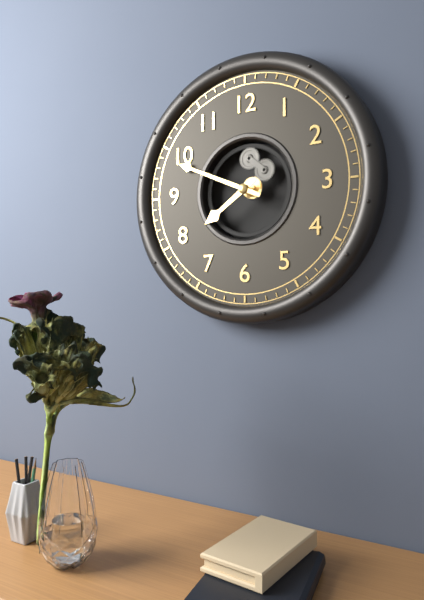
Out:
7,49
